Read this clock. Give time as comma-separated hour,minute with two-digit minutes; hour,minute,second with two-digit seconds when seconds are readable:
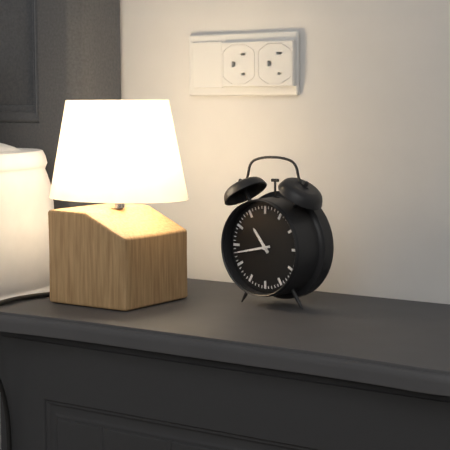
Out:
10,43
